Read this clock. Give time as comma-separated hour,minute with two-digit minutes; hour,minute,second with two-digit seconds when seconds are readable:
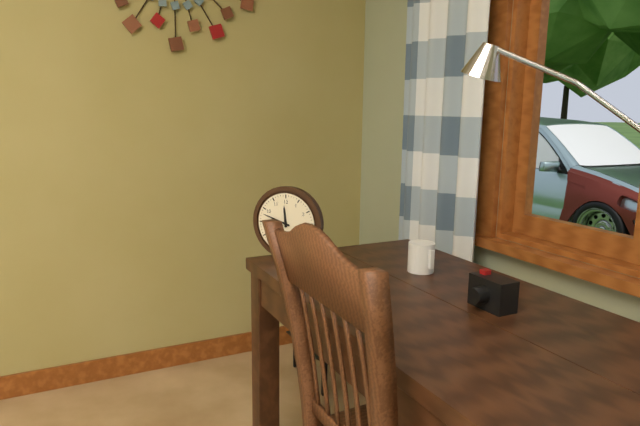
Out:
11,48
